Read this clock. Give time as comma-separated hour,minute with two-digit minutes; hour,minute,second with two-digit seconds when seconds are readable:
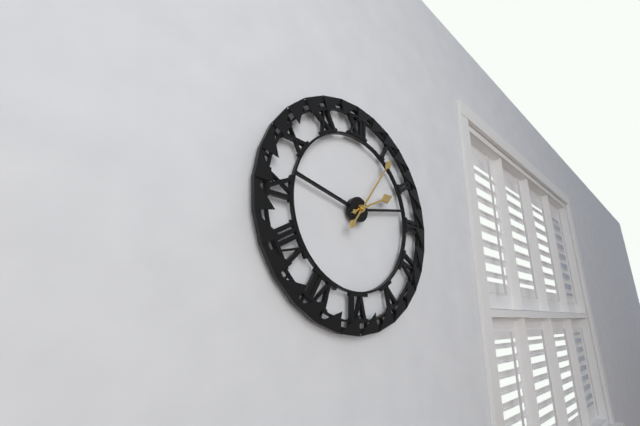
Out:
2,06
